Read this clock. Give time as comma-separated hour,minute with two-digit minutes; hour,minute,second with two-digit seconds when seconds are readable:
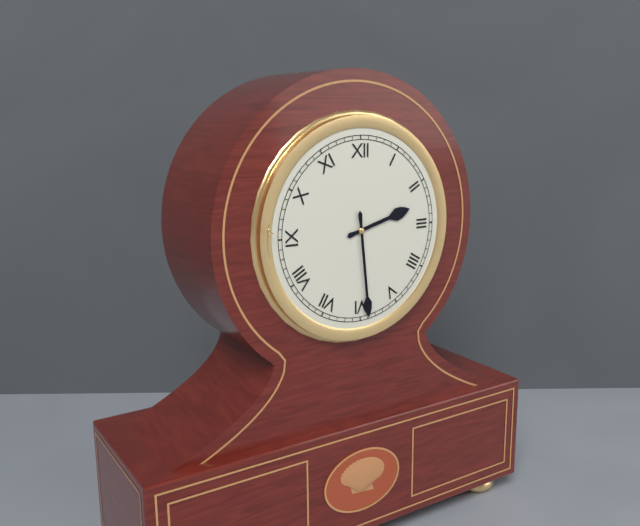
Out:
2,29
